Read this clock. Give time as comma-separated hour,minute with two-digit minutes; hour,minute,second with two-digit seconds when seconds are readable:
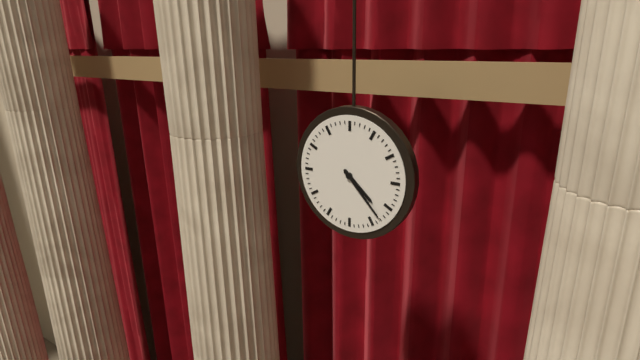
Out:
4,23
